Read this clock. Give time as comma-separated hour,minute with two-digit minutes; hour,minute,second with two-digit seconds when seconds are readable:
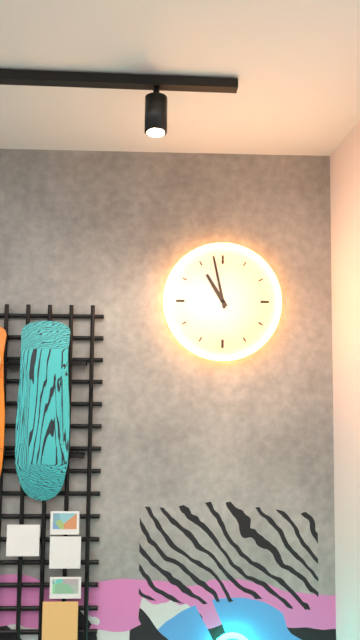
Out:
10,58
